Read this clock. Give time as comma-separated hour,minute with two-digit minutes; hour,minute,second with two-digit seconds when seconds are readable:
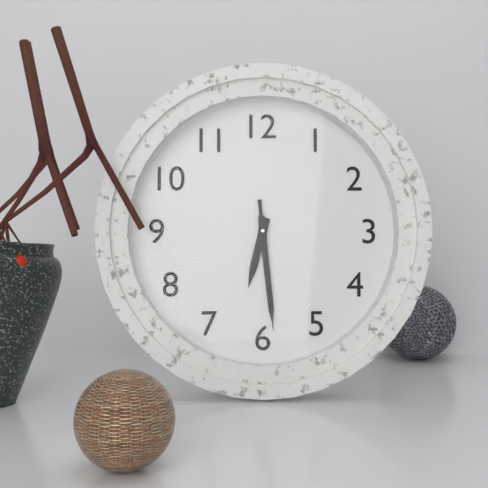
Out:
6,29,29
